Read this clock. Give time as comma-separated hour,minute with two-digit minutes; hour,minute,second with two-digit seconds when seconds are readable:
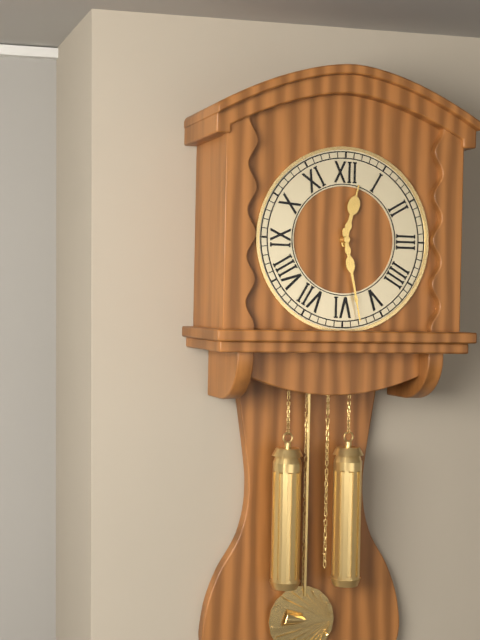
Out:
12,28
